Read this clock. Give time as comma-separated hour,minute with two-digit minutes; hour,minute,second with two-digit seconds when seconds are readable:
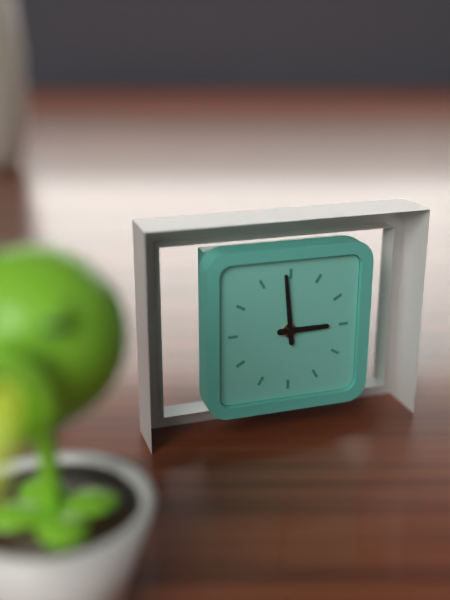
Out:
2,59
